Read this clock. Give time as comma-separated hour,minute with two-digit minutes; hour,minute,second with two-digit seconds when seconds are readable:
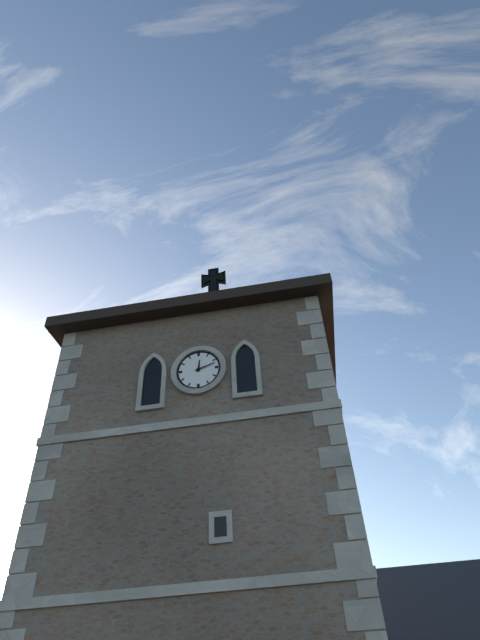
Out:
12,12
